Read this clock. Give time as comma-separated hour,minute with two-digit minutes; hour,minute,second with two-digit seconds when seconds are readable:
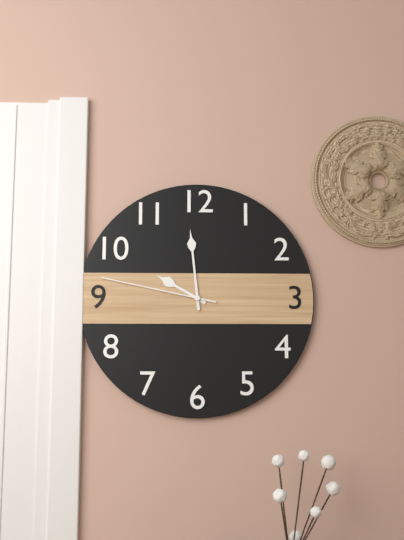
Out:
9,59,47
